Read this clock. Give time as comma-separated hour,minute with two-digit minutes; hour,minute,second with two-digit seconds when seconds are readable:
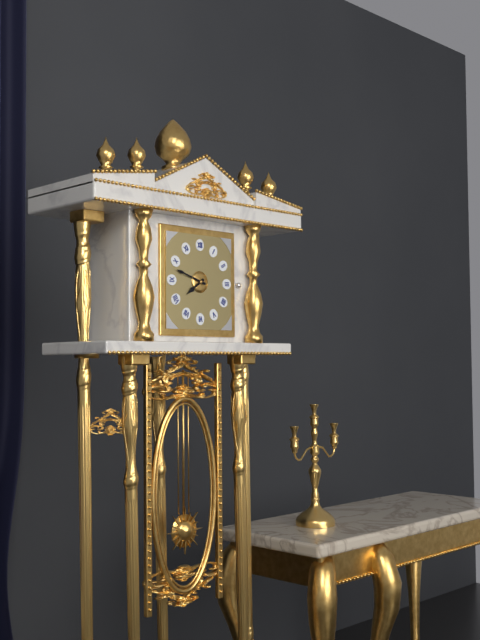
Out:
7,48
